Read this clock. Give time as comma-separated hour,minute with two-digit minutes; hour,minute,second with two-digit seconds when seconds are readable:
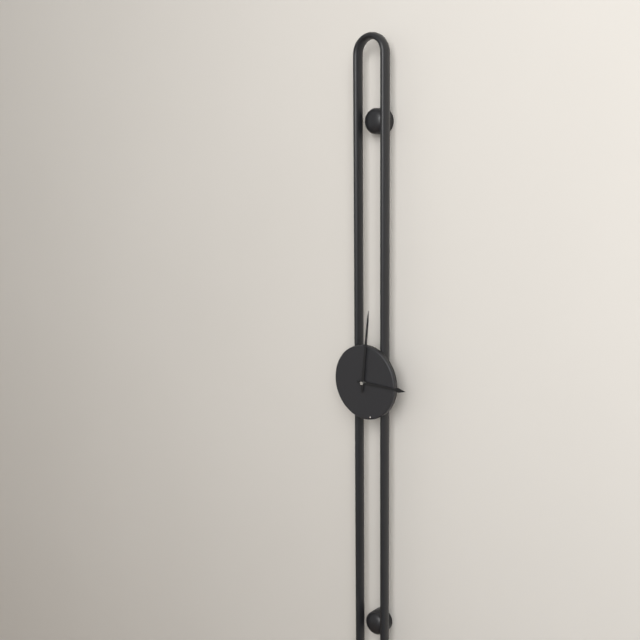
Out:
3,01
